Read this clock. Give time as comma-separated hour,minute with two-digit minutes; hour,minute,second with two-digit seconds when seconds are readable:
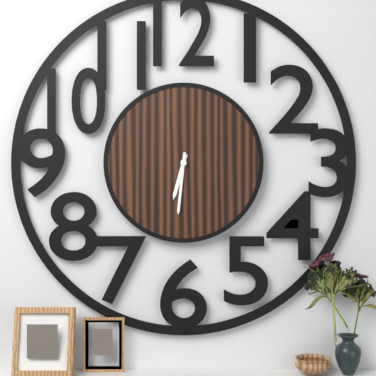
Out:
6,31
